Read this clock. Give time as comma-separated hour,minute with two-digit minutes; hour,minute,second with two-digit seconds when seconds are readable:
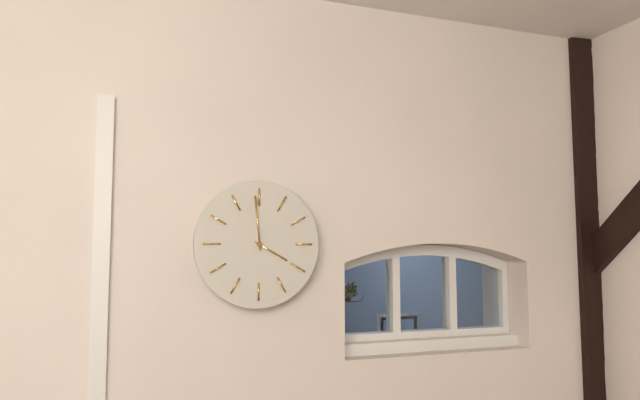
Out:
3,59
